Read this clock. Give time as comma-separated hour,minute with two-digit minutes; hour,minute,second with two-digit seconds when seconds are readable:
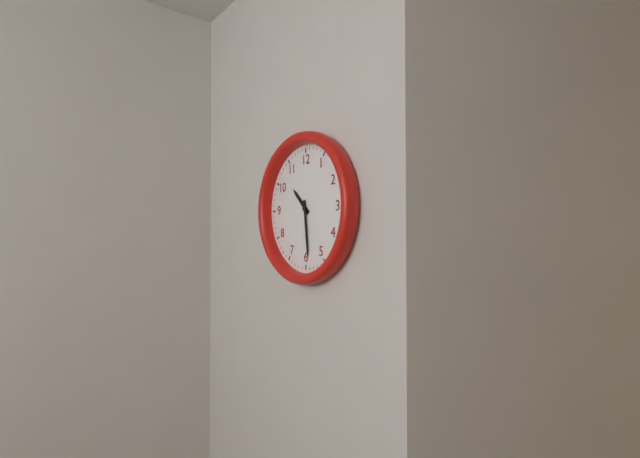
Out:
10,29
